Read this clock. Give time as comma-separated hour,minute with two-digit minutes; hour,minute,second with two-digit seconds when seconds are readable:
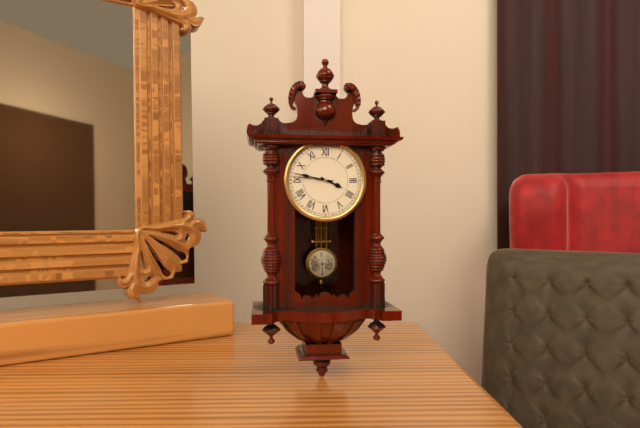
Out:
3,47
